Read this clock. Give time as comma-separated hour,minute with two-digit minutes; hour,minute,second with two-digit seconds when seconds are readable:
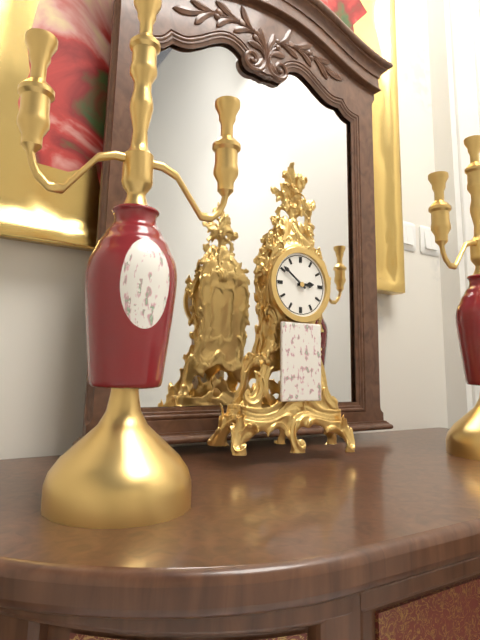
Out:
2,51
